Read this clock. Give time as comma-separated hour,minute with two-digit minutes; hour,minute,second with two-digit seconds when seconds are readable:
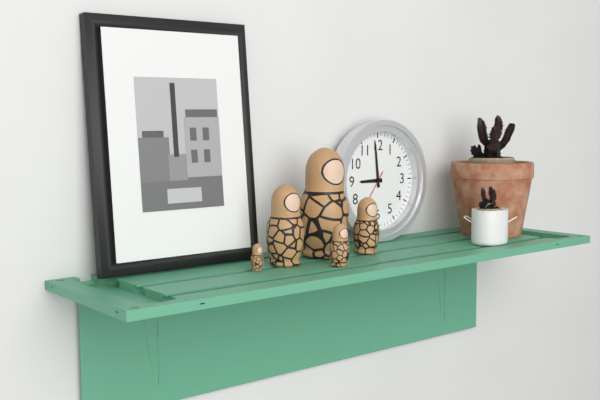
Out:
8,59
